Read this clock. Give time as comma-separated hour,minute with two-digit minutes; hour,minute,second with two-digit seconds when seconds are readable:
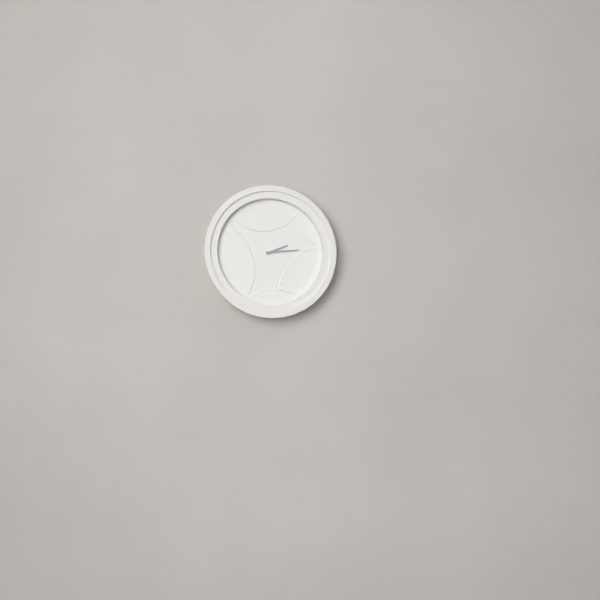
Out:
2,14
